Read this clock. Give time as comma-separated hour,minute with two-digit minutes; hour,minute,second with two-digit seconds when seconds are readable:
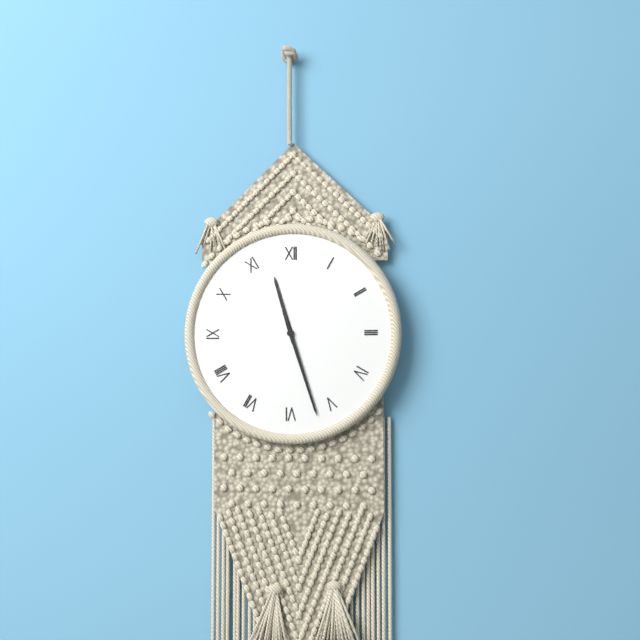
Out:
11,27
